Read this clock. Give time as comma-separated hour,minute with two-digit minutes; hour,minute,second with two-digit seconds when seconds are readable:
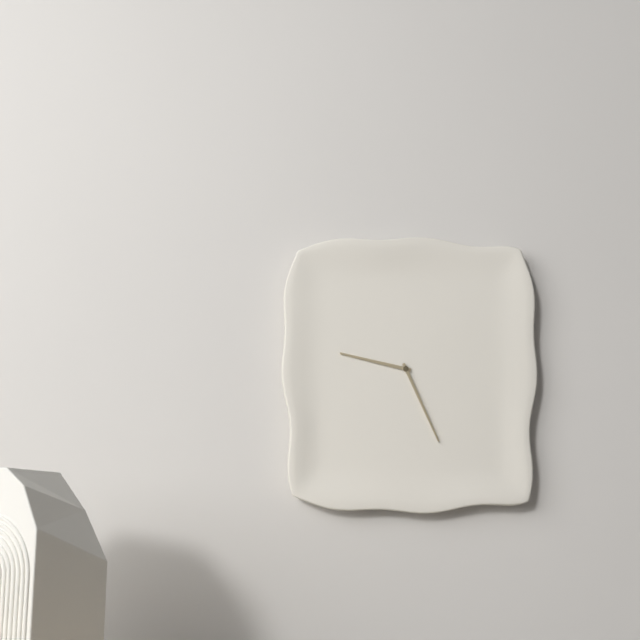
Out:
9,26
